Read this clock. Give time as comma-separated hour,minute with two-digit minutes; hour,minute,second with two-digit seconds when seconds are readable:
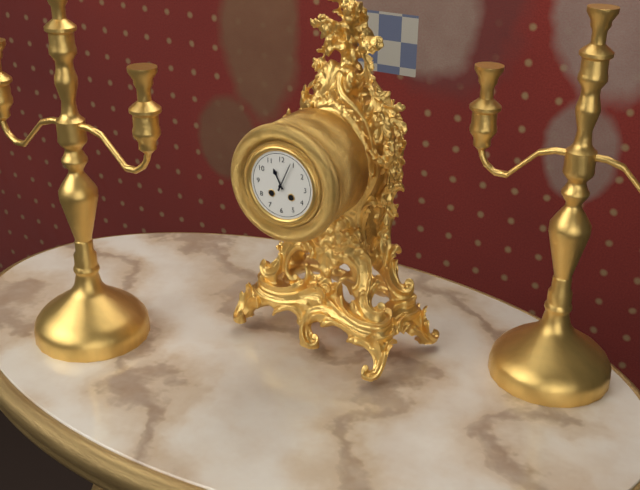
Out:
11,04
